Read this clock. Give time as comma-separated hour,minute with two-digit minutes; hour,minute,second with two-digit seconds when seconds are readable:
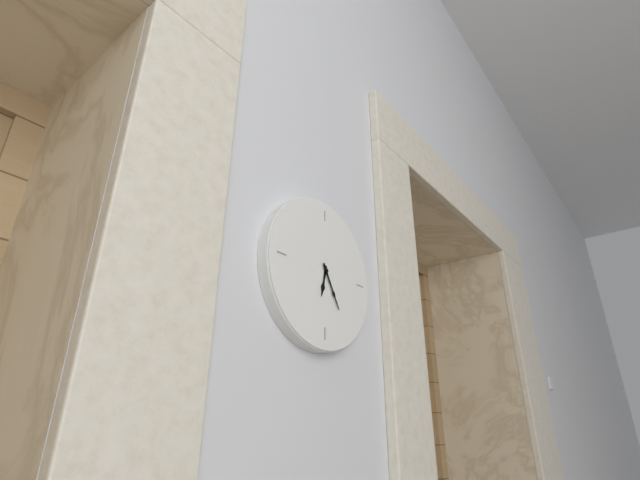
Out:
6,25
